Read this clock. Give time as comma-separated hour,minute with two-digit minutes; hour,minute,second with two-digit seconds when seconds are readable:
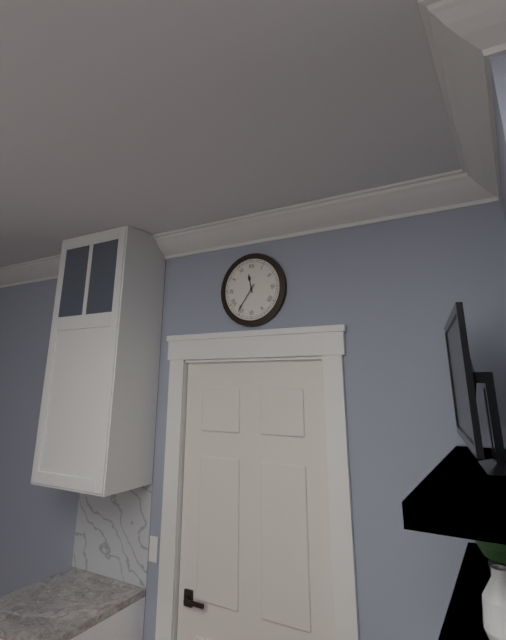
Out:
11,36
